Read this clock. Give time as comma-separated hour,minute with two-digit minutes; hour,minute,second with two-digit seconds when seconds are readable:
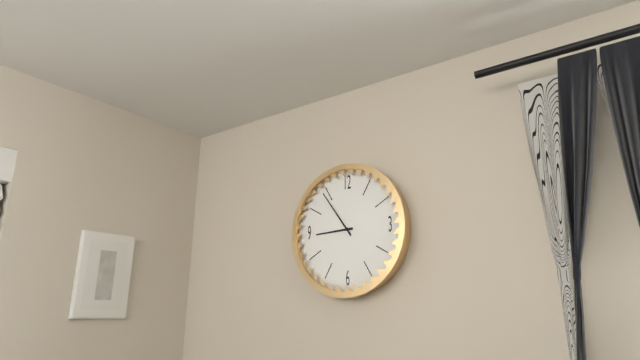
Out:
8,54
